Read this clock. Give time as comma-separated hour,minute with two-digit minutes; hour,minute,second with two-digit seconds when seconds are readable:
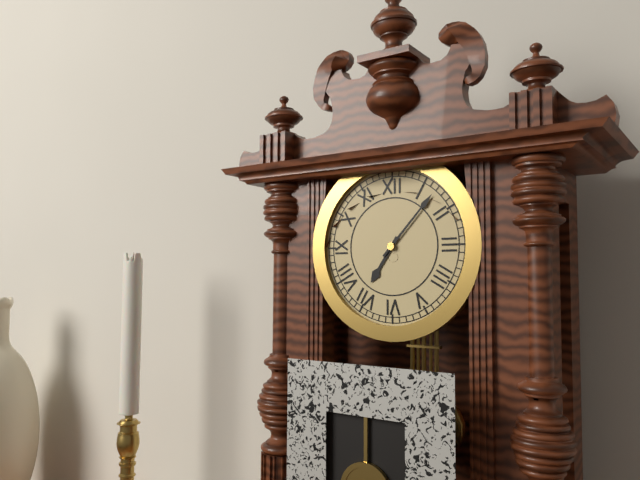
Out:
7,07
